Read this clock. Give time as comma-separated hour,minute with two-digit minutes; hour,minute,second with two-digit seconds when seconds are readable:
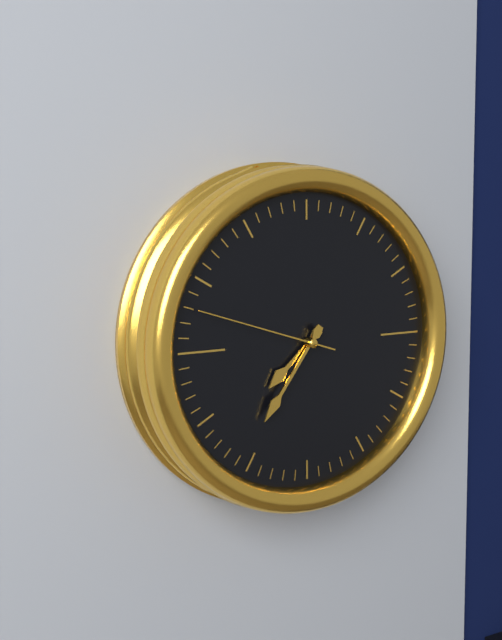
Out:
7,36,48
